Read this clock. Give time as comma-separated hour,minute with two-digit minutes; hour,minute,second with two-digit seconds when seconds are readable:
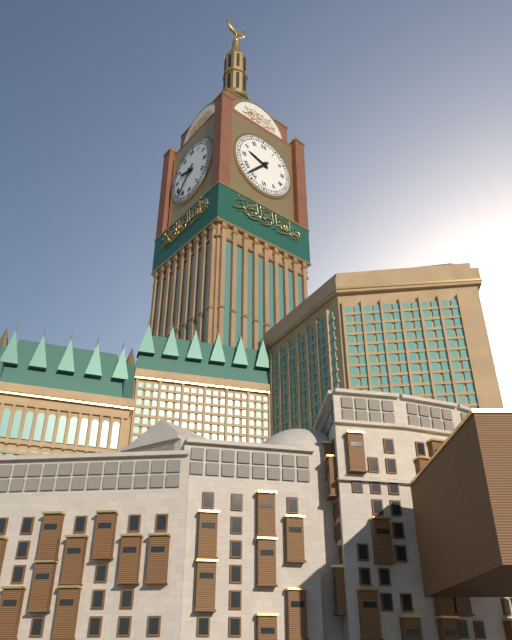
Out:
9,37
